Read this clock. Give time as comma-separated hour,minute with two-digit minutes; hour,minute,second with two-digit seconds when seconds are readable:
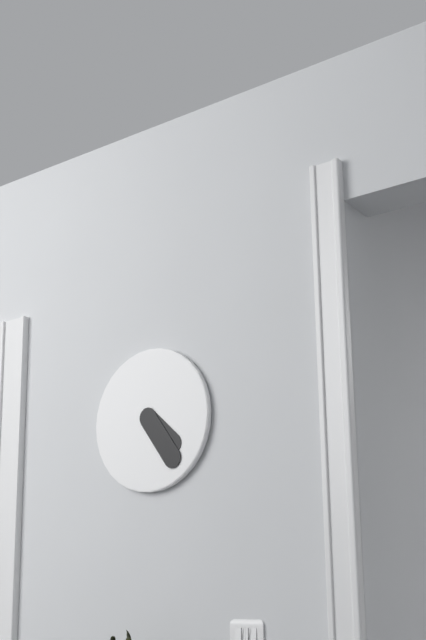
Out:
4,24
